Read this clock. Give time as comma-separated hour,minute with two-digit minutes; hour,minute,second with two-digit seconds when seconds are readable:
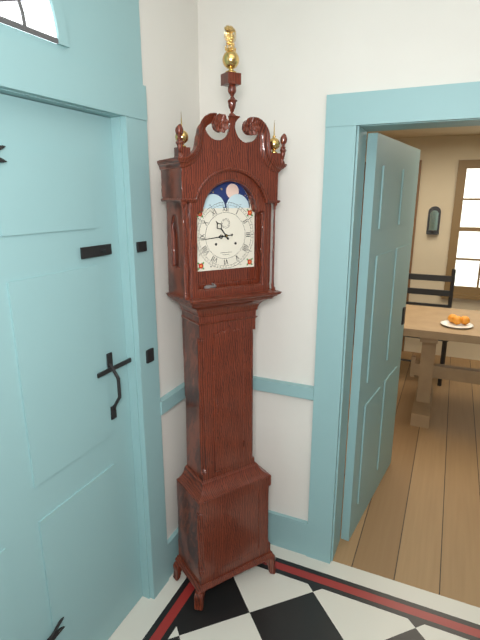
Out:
10,44
